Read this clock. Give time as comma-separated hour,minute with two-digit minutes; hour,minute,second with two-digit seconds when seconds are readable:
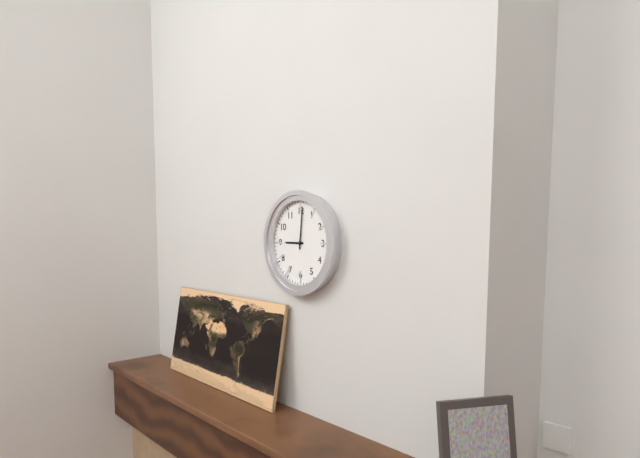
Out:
9,01
